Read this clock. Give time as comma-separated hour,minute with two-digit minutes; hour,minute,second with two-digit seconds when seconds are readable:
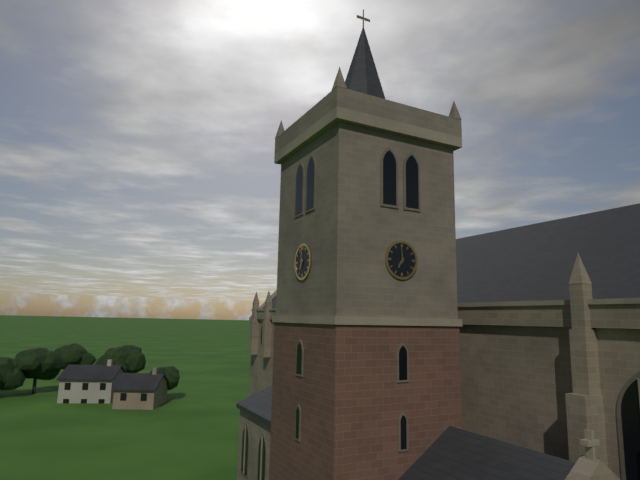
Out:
6,59
